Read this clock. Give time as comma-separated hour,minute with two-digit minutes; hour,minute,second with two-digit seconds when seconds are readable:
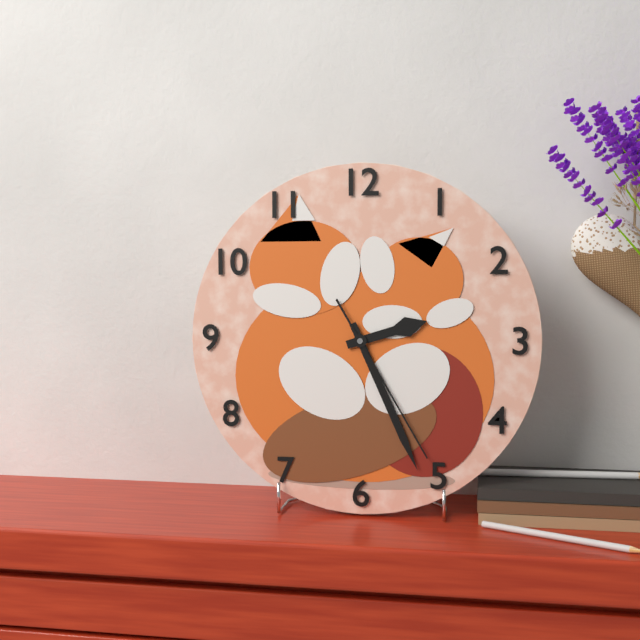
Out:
2,26,25
